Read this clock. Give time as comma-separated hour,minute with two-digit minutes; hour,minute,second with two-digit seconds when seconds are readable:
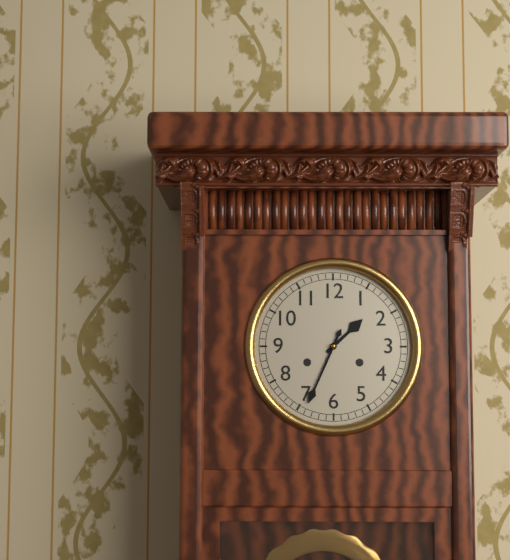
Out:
1,34
